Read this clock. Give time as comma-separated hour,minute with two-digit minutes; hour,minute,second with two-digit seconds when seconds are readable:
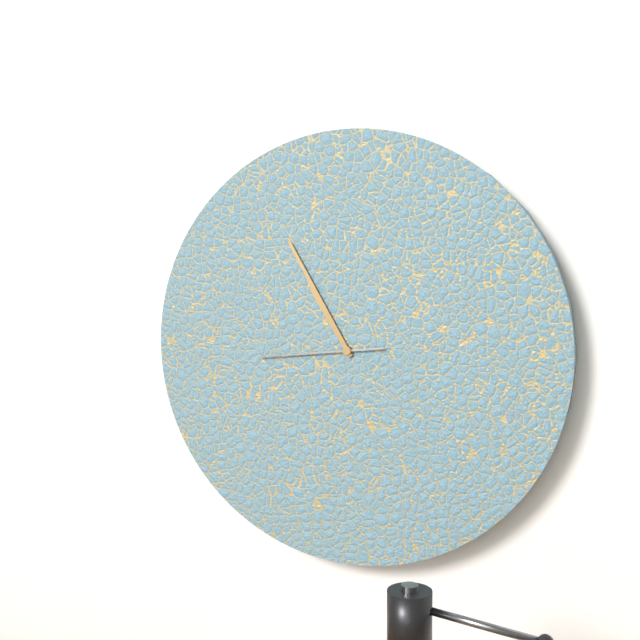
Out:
10,55,44
